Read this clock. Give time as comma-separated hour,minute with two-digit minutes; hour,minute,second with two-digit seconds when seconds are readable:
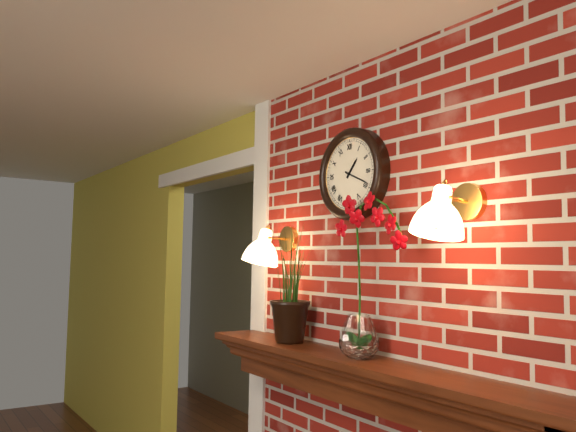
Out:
1,19
